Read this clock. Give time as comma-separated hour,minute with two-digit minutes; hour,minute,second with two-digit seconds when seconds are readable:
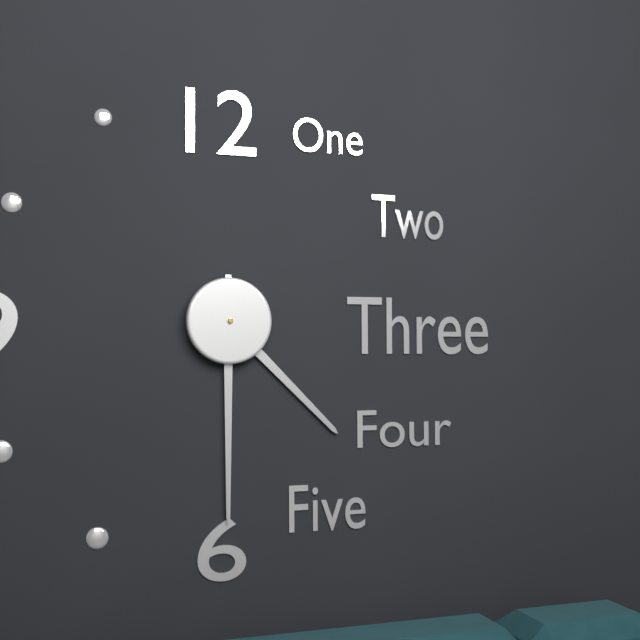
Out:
4,30
